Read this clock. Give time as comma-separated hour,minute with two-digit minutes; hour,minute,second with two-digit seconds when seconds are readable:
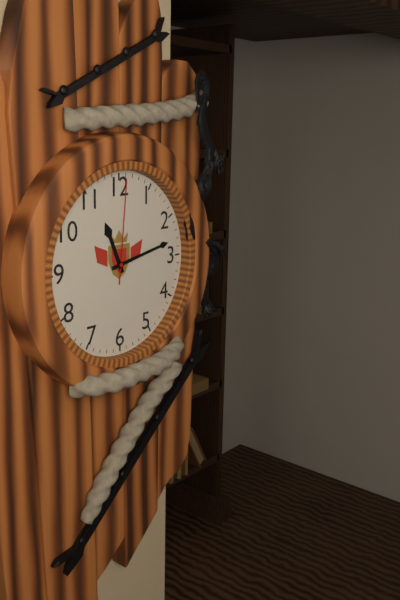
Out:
11,13,01
